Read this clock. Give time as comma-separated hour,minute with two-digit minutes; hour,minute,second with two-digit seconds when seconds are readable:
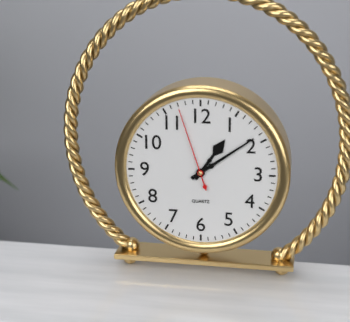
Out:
1,09,57
